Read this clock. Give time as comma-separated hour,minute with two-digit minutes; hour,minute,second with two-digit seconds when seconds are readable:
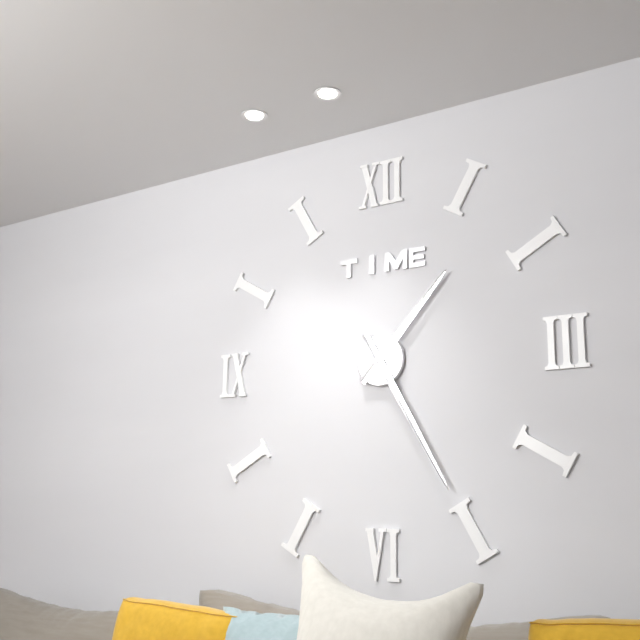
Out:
1,25
